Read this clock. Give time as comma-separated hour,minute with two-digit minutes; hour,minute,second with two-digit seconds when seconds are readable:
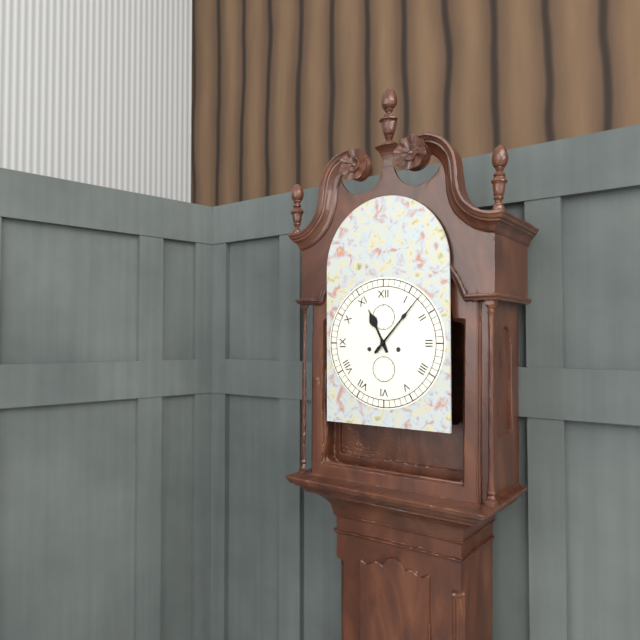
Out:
11,07
